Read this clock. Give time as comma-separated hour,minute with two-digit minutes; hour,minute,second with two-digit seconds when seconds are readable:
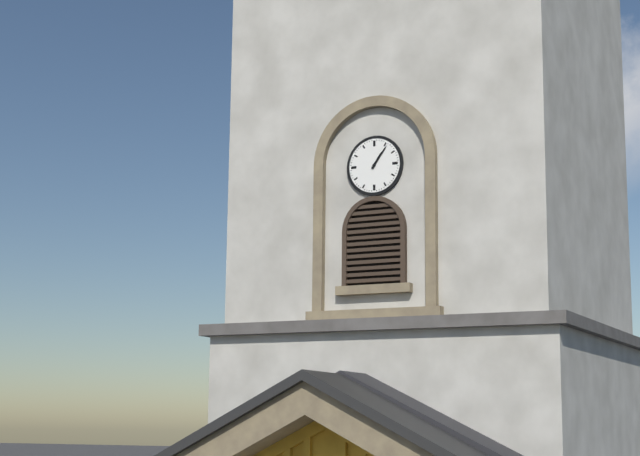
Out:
1,06
